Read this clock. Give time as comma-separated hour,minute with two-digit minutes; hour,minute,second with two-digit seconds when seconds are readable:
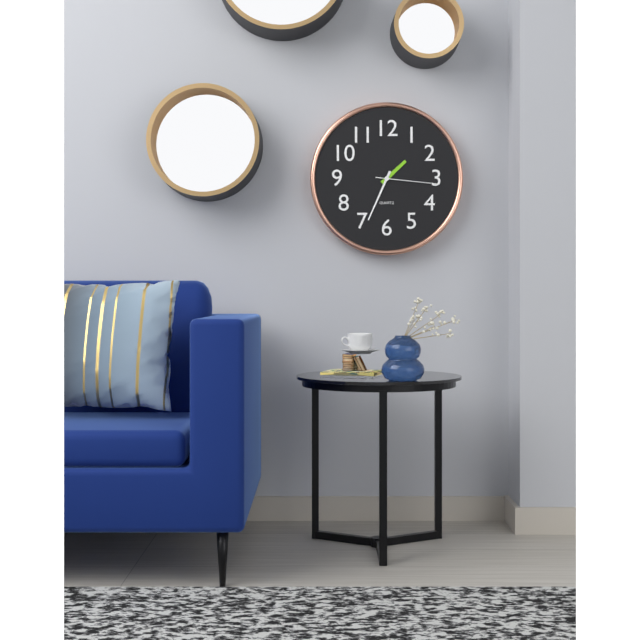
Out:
1,34,16
